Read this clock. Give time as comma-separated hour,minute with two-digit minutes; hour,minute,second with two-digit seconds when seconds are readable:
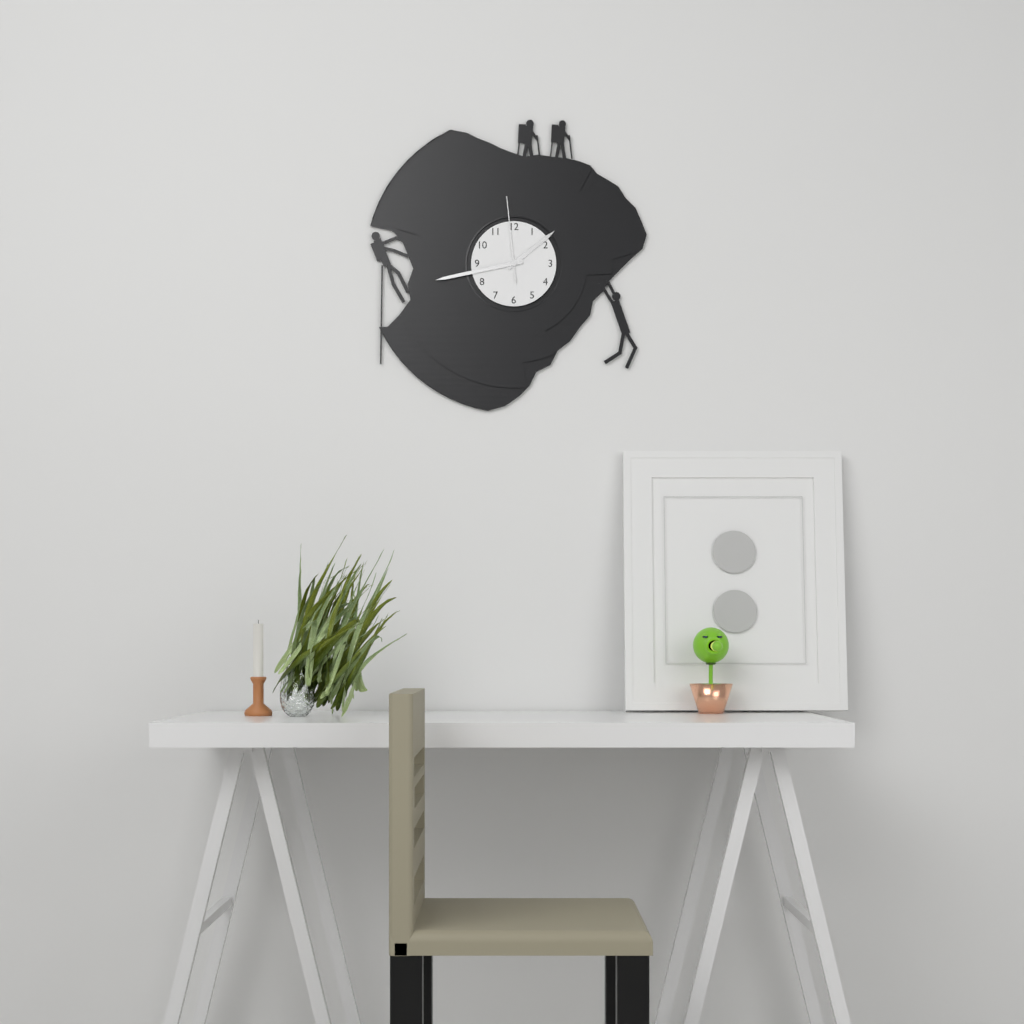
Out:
1,43,59
